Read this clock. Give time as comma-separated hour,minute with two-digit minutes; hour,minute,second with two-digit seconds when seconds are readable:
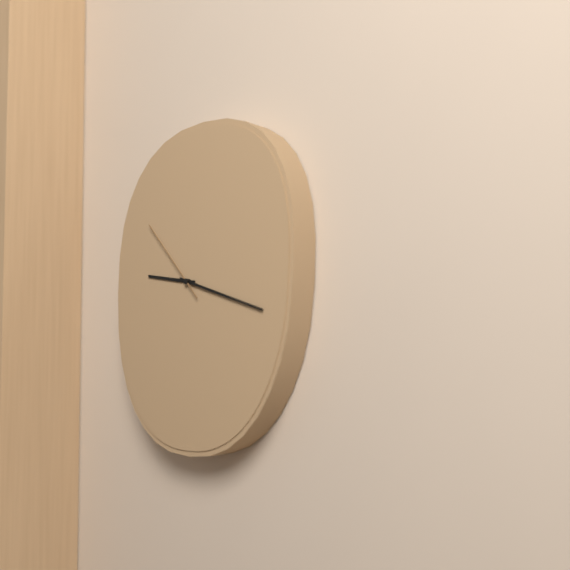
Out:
9,18,53
